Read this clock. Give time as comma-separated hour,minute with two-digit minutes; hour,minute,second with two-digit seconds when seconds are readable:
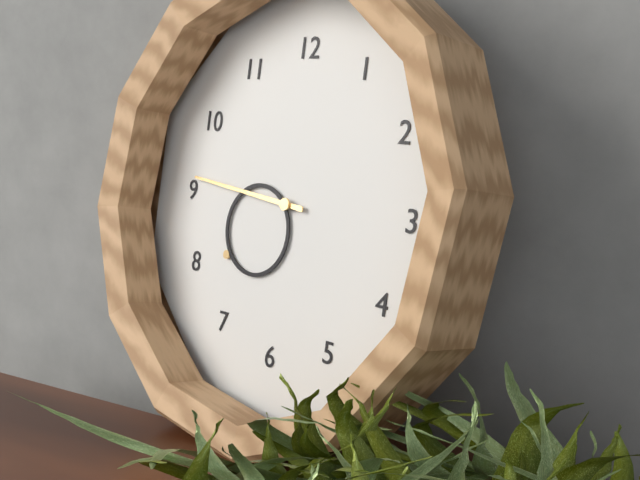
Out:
7,46
